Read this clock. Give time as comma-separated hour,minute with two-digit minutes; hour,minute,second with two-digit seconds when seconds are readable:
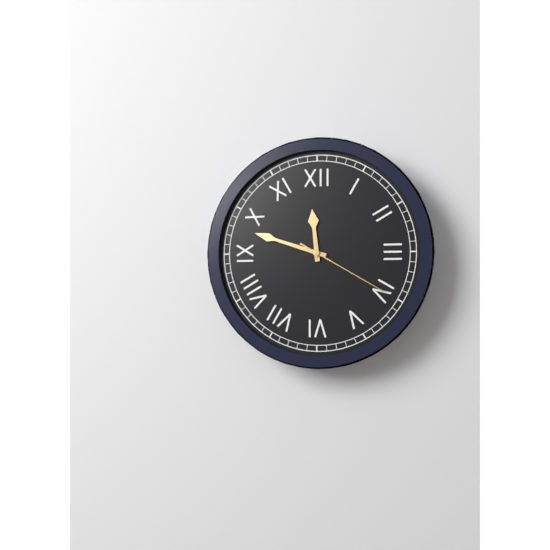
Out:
11,48,20
